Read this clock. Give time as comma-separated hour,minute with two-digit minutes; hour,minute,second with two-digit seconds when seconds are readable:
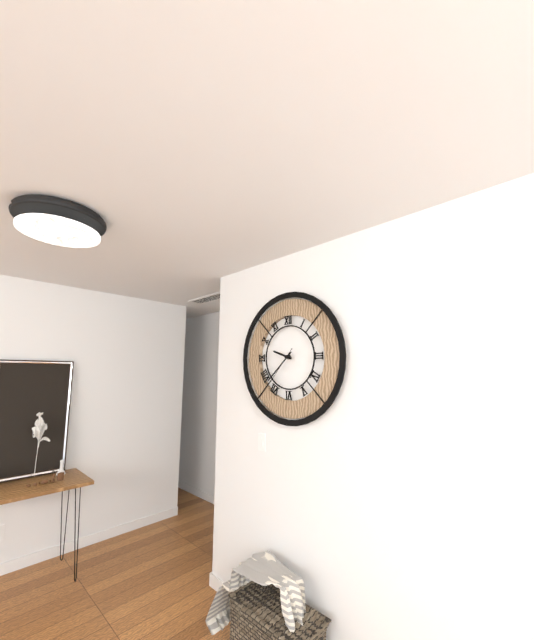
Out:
9,38
